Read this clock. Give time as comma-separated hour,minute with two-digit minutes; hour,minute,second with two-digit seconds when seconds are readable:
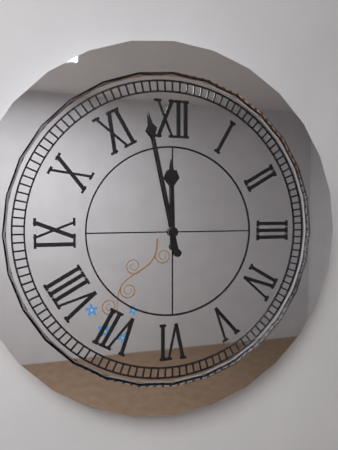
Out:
11,58
